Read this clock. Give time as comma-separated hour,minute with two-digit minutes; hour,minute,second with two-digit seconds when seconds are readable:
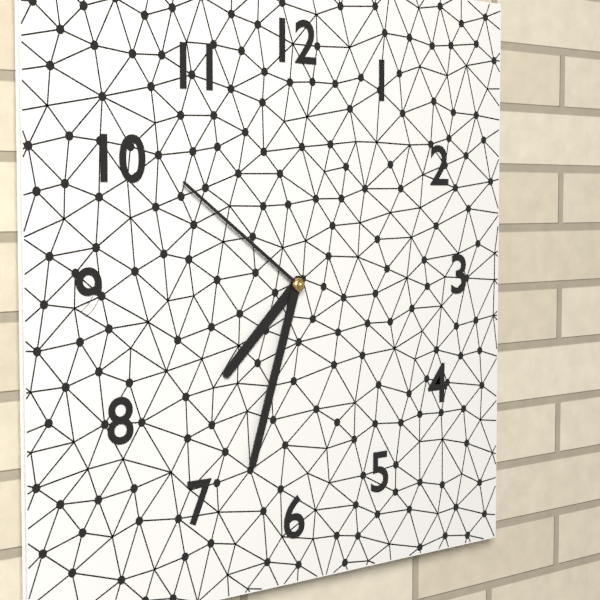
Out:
7,33,51
